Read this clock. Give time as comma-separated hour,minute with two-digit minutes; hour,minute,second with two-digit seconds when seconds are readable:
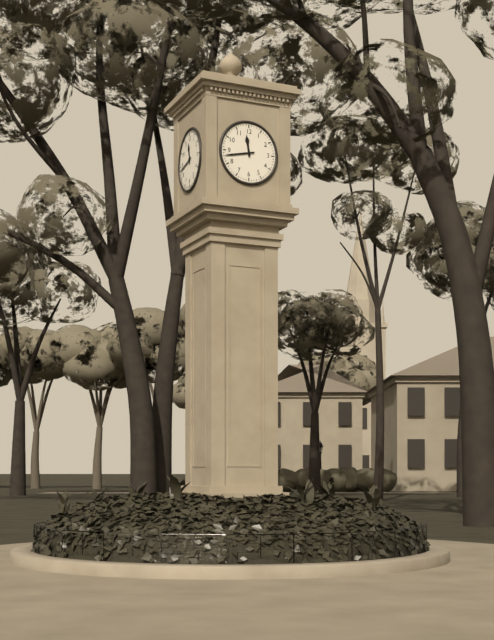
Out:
11,43
